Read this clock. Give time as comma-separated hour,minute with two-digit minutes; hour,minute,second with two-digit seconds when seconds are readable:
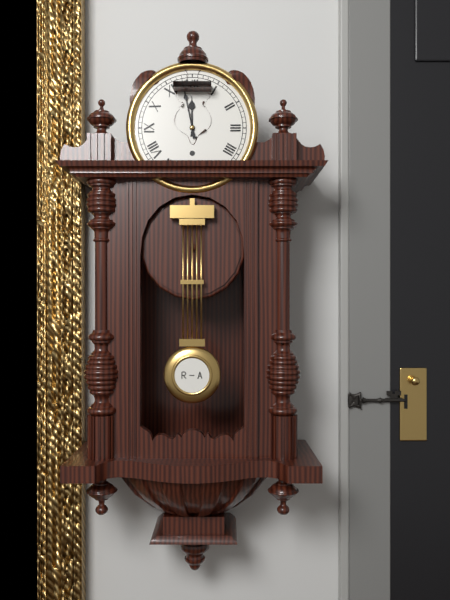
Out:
11,58
